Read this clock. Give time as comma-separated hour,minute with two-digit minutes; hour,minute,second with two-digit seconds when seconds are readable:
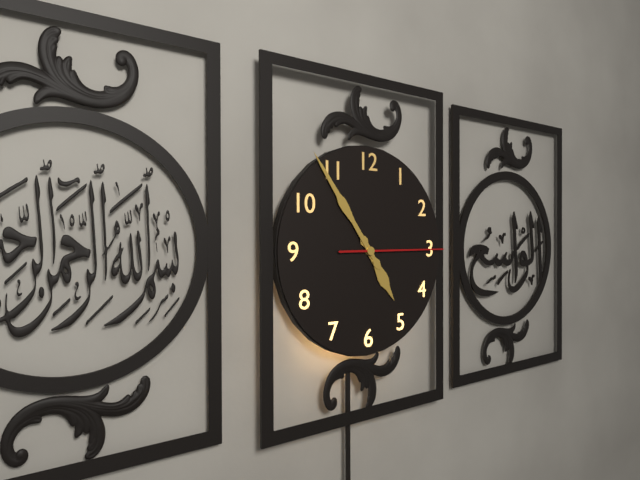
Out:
4,54,15
